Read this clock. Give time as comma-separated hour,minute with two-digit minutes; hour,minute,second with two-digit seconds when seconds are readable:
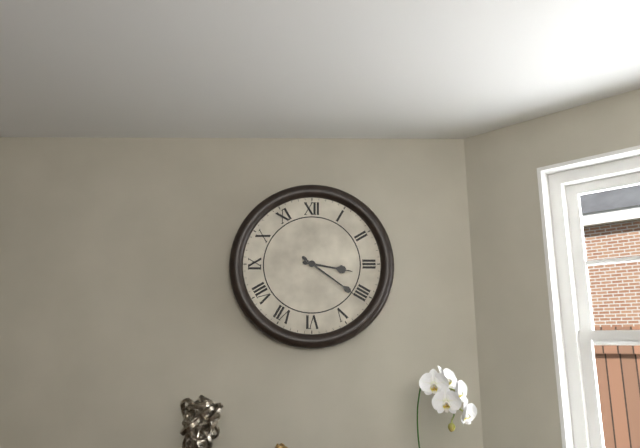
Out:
3,21
